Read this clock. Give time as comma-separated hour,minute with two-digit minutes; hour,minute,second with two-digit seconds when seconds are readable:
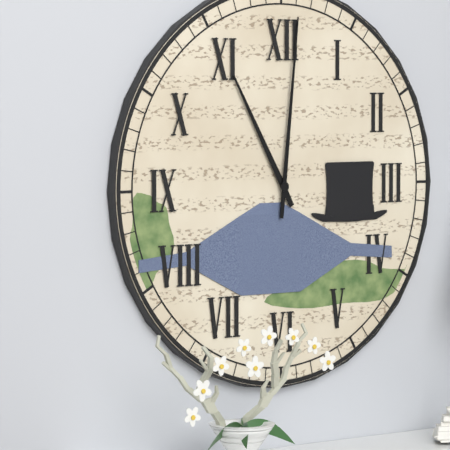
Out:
11,01
